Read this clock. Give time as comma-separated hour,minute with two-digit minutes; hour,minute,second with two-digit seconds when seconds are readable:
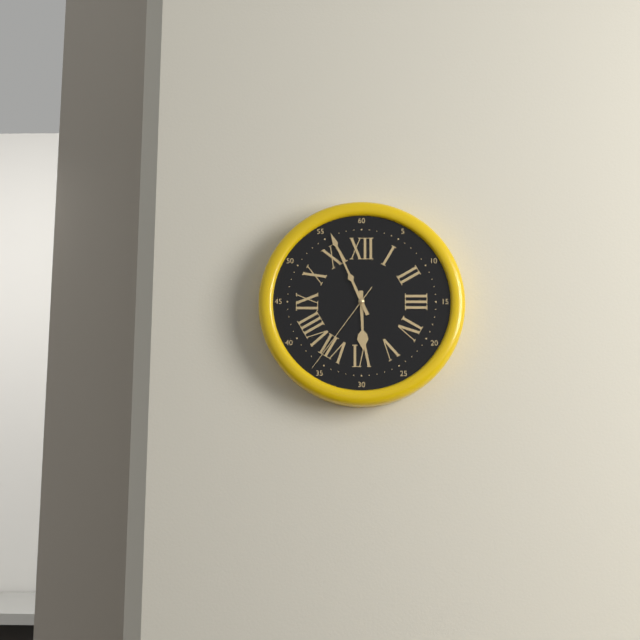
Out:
5,56,36
